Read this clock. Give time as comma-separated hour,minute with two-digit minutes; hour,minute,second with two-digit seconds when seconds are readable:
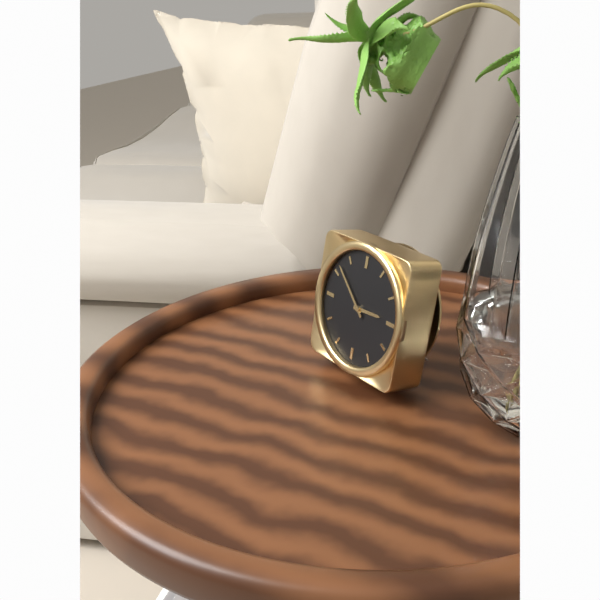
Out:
2,52
